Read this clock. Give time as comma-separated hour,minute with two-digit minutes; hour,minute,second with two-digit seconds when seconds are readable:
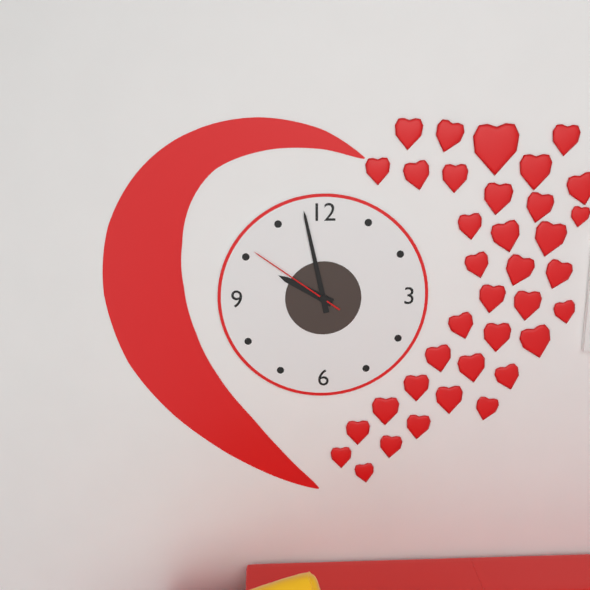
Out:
9,58,51
